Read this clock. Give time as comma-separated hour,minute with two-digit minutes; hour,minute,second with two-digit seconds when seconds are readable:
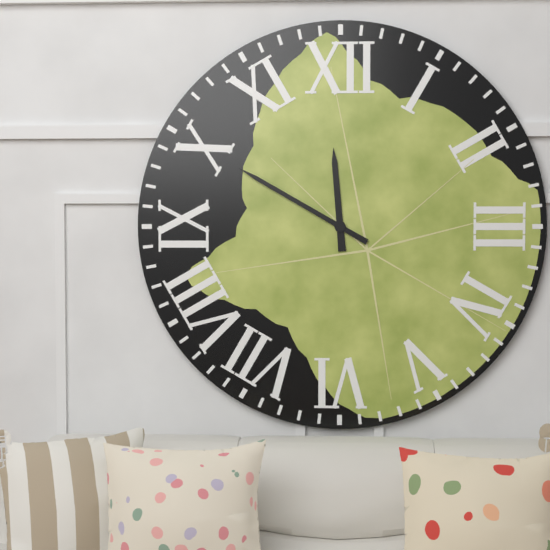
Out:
11,50
